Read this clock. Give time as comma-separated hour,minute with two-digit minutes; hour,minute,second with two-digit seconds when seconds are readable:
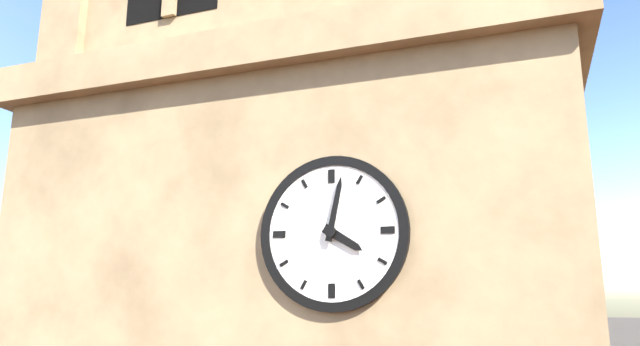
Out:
4,02
